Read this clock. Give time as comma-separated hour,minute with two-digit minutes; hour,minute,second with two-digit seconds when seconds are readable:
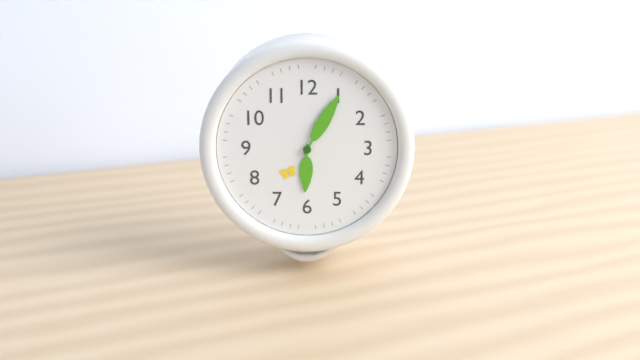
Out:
6,05
